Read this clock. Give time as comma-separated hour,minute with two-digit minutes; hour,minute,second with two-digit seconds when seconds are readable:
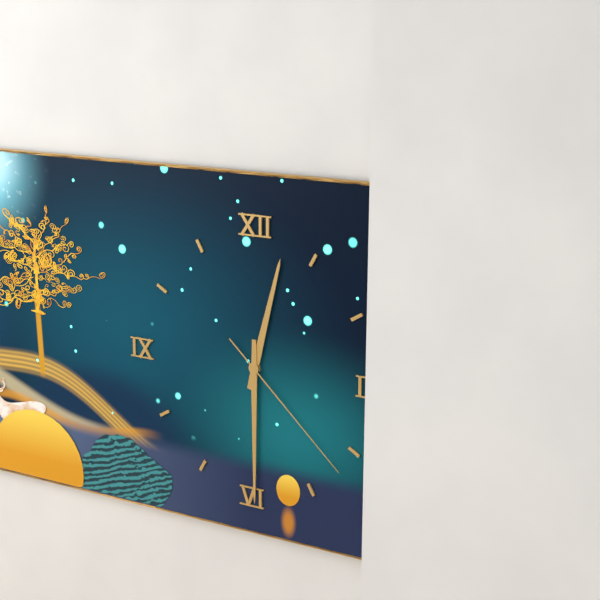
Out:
12,30,22
